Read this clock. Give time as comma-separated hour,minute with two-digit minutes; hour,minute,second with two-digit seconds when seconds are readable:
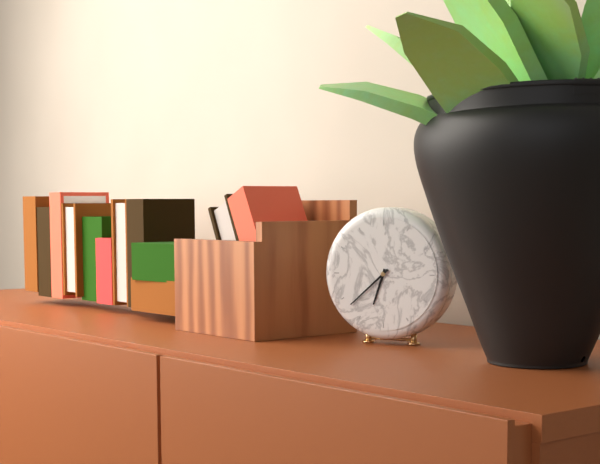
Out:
6,38
